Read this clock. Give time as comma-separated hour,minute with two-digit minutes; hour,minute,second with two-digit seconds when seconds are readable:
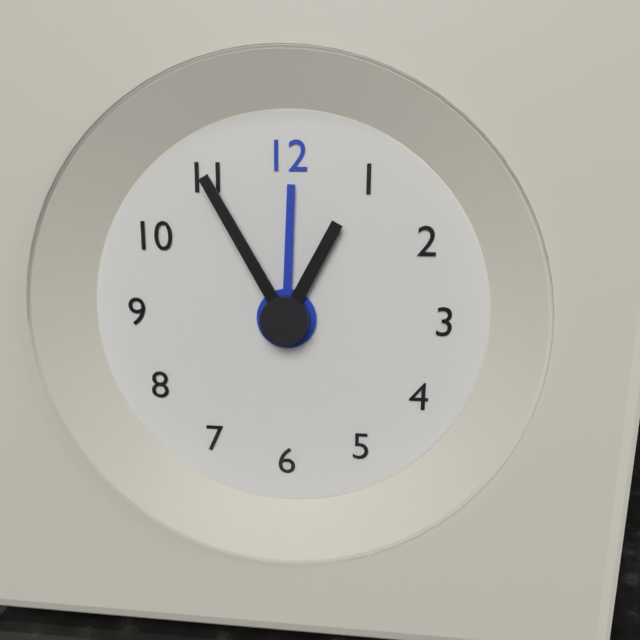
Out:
12,55
